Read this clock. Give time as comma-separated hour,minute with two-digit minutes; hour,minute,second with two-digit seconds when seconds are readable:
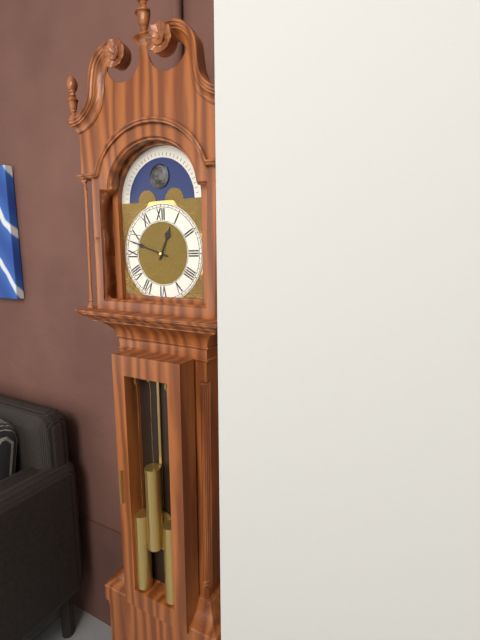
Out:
12,48
